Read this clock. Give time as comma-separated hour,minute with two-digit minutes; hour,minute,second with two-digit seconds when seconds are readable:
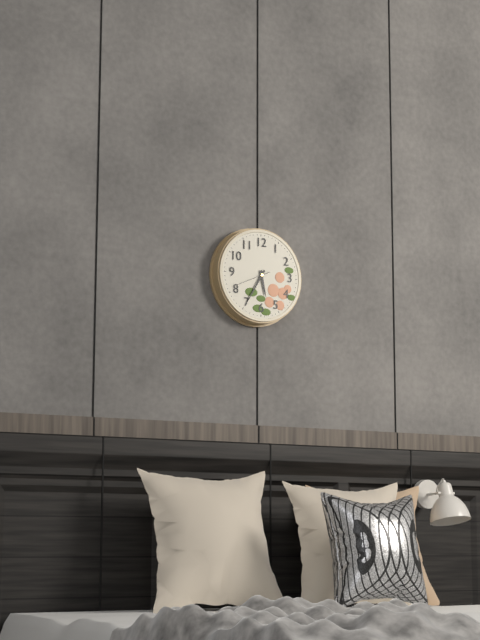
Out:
5,35
